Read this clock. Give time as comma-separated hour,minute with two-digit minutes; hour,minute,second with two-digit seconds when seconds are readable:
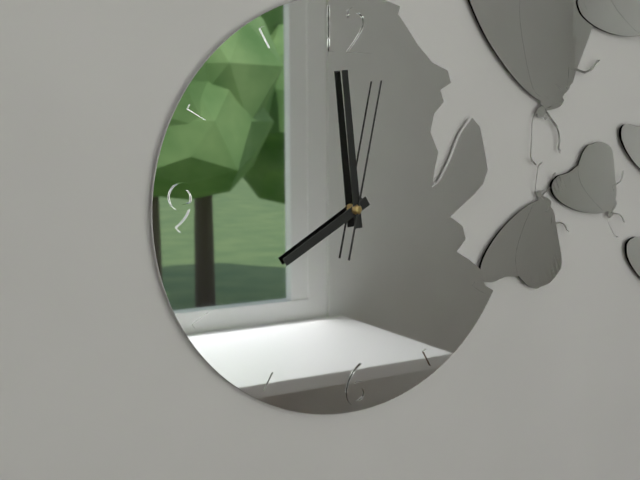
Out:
7,59,02
